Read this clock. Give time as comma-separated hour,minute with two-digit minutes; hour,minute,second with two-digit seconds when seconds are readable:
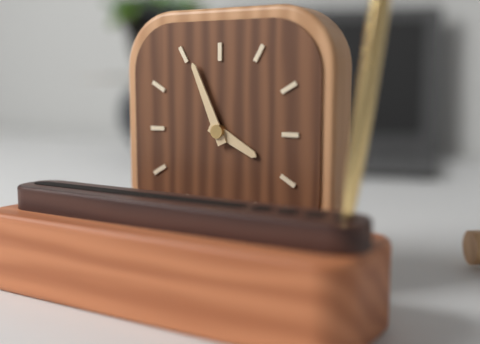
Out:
3,56
